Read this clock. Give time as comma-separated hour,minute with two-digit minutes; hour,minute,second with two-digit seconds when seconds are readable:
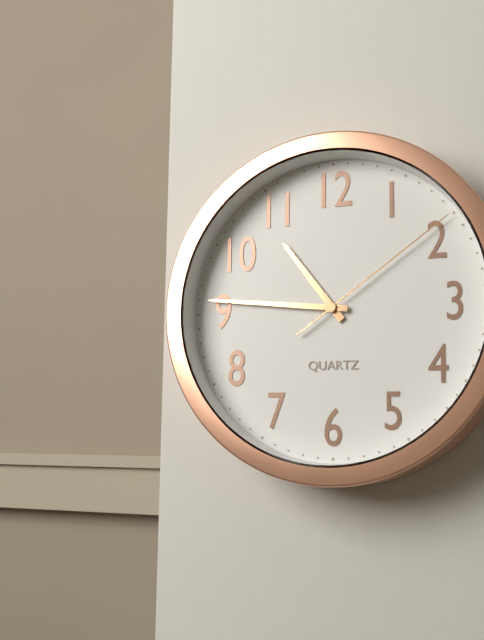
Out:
10,46,09
